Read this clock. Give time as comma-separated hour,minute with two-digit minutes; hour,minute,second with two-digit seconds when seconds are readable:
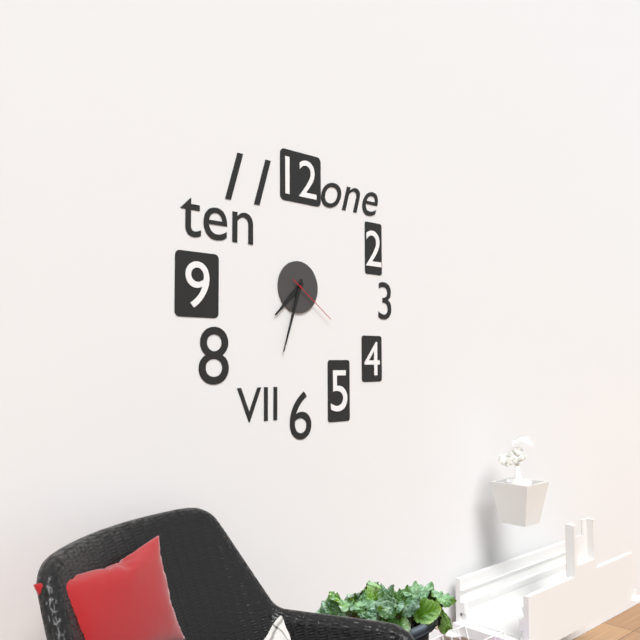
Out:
7,33,21
